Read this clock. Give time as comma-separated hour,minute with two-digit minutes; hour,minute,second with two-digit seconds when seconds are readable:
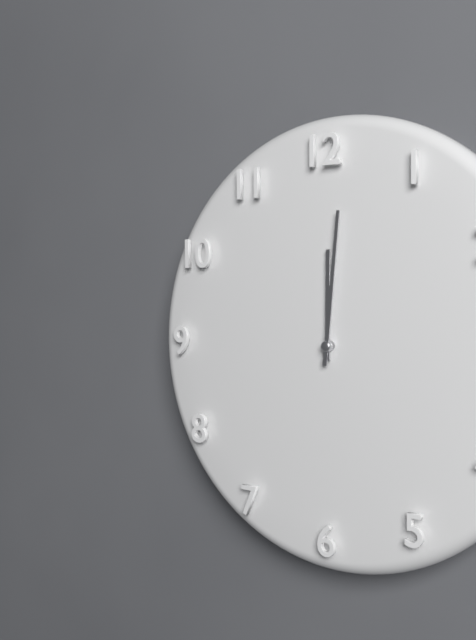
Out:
12,01
